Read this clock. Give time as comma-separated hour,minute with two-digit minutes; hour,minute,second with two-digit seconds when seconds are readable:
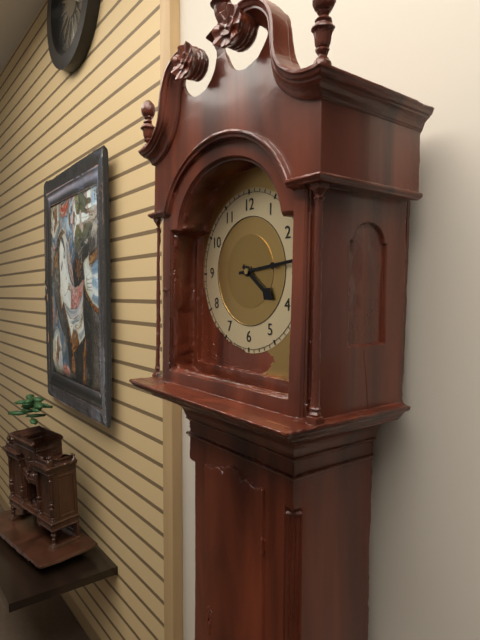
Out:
4,14
